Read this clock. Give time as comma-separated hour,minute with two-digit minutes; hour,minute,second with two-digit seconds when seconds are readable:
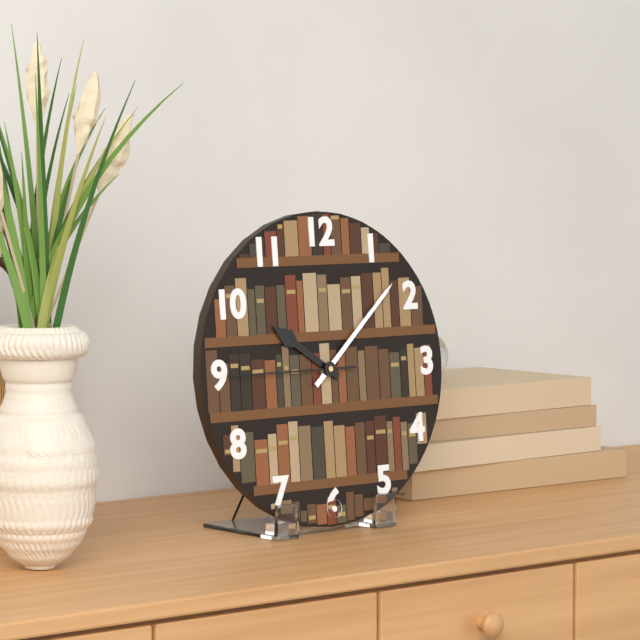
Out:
10,08,45
